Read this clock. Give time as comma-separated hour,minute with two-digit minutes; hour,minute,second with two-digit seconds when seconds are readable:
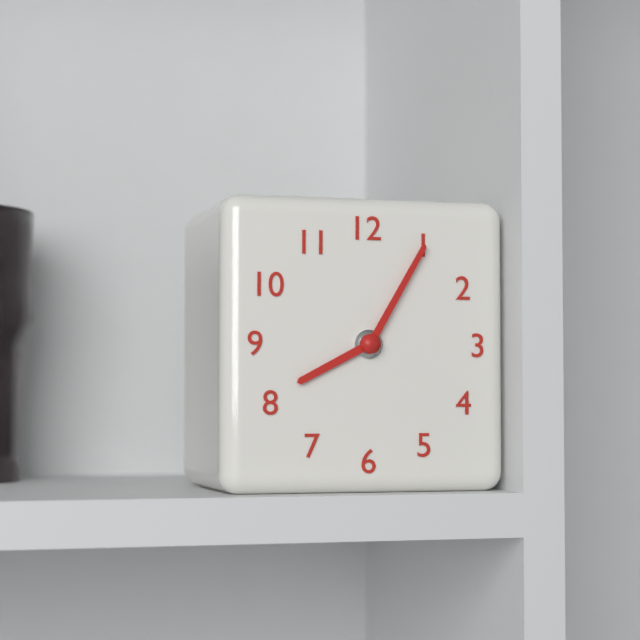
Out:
8,05
